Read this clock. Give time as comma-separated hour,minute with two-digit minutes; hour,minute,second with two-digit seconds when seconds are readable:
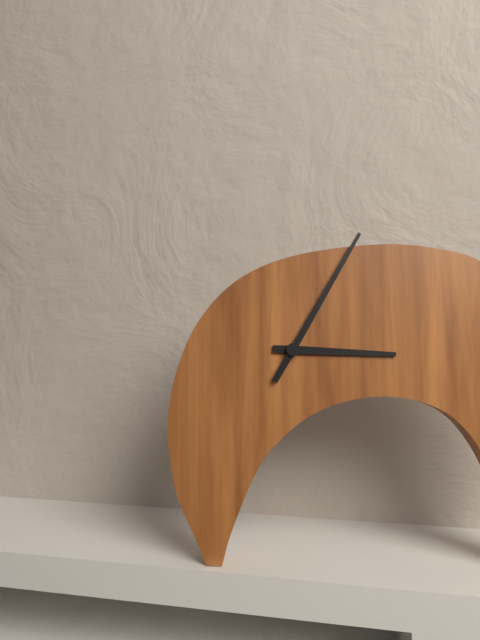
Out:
3,05
